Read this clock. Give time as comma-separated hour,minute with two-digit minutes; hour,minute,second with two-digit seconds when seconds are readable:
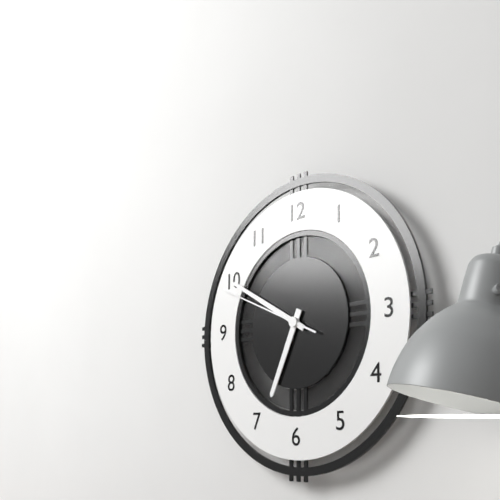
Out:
6,50,49
